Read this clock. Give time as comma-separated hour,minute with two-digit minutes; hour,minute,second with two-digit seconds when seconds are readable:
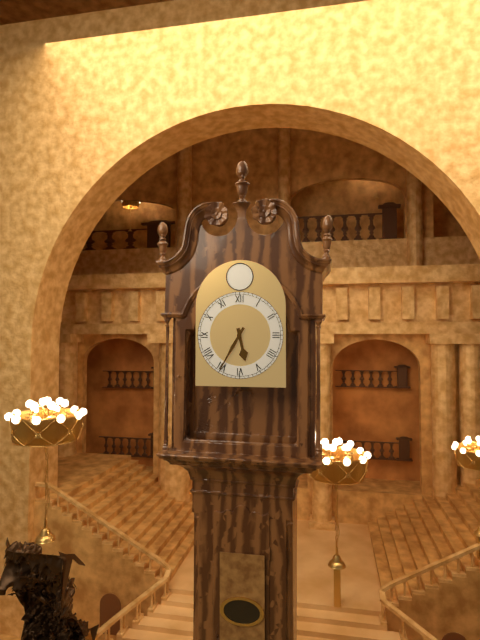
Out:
5,35
